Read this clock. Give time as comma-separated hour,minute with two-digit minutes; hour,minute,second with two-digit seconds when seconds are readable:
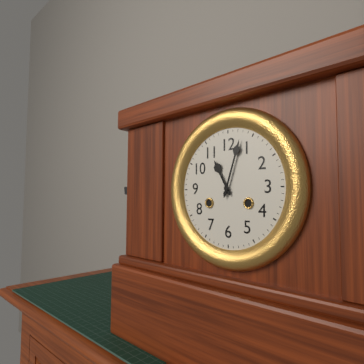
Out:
11,03
